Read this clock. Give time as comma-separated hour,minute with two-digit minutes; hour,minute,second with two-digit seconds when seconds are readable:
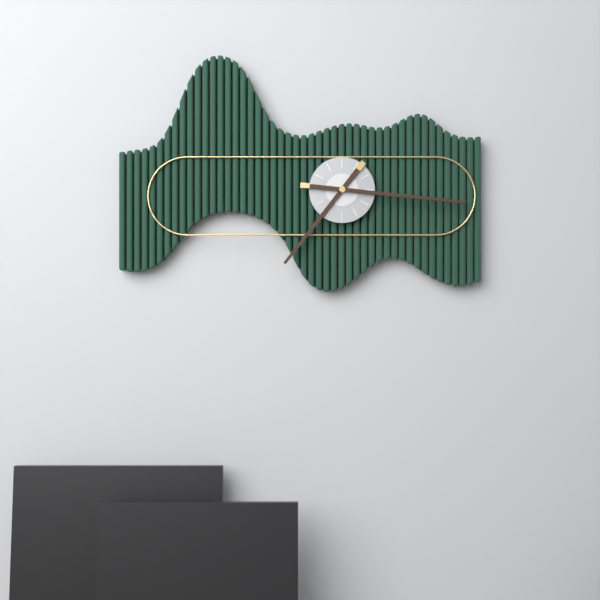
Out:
7,16
